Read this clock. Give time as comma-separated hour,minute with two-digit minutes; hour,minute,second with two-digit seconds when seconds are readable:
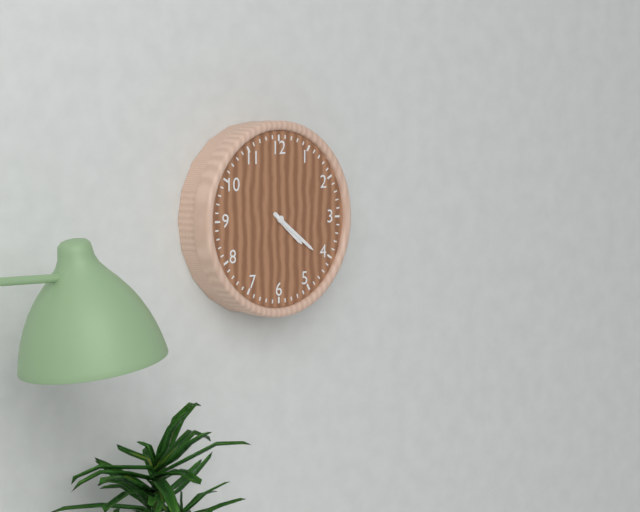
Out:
4,21
